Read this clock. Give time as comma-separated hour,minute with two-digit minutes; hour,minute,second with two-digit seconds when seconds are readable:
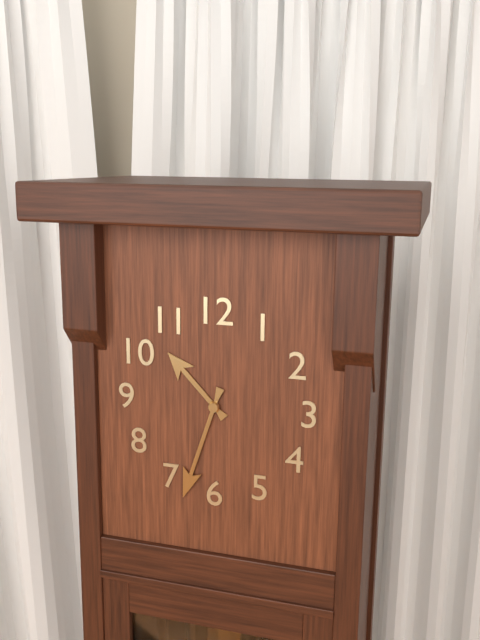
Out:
10,33
